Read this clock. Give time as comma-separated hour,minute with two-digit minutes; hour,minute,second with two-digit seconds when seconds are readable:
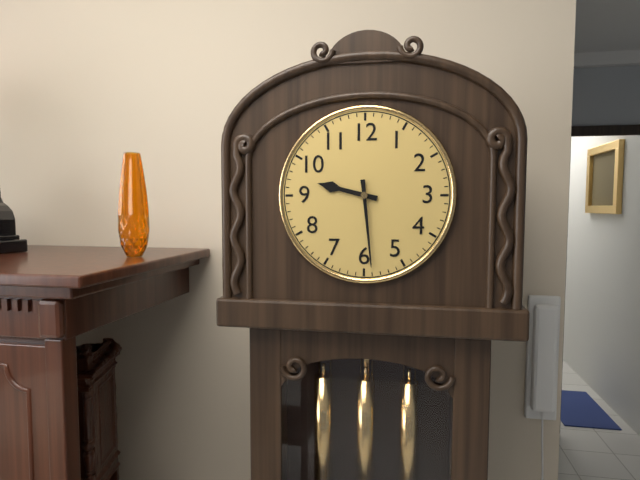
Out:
9,29
